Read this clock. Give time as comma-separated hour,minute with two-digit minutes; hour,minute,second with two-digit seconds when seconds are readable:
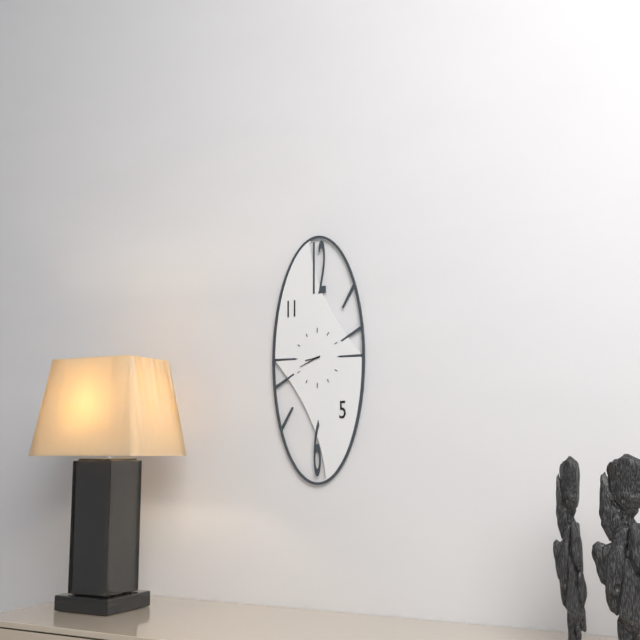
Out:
8,41
